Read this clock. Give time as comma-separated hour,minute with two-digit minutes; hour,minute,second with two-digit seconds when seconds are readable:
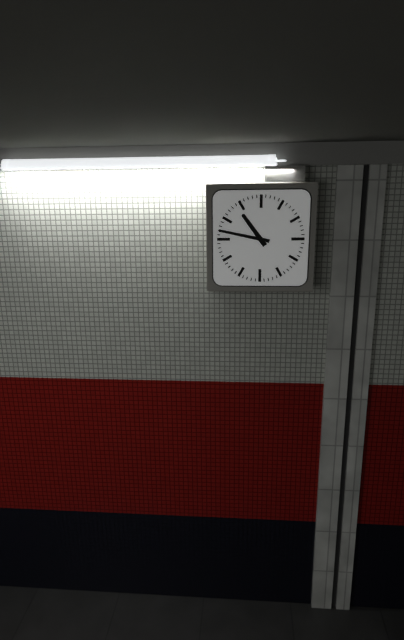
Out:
10,47
